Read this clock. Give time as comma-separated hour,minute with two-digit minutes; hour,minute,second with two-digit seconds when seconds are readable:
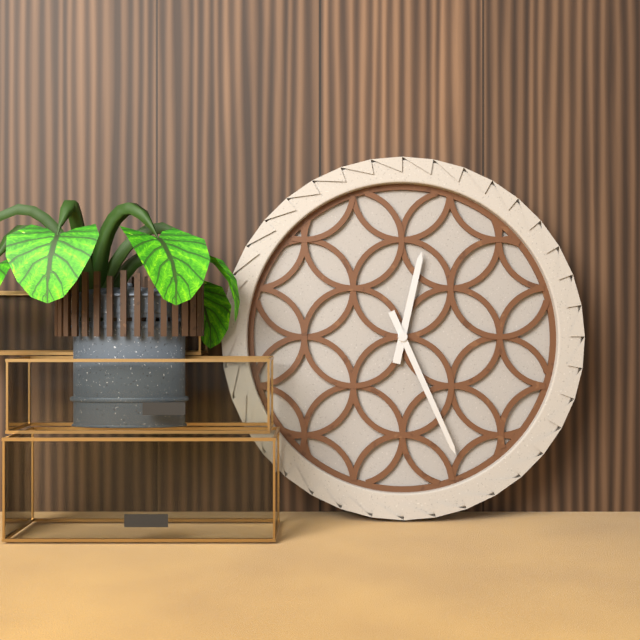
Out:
12,26
